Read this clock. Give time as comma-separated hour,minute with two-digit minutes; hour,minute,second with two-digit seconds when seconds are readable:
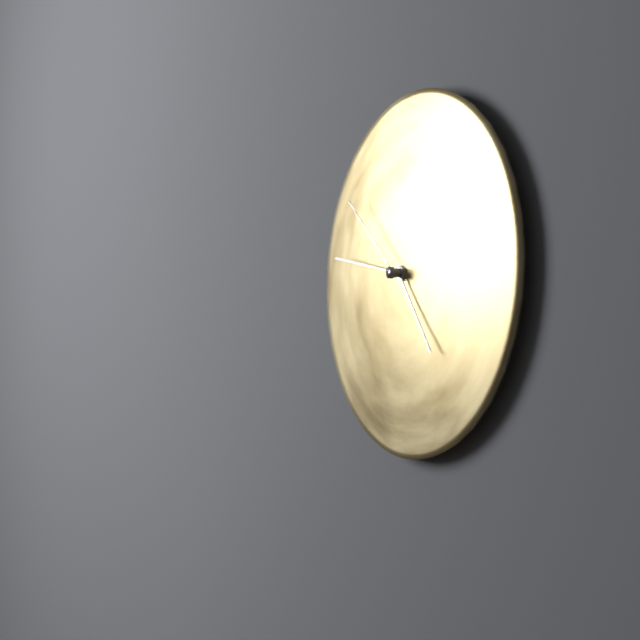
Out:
4,47,52
